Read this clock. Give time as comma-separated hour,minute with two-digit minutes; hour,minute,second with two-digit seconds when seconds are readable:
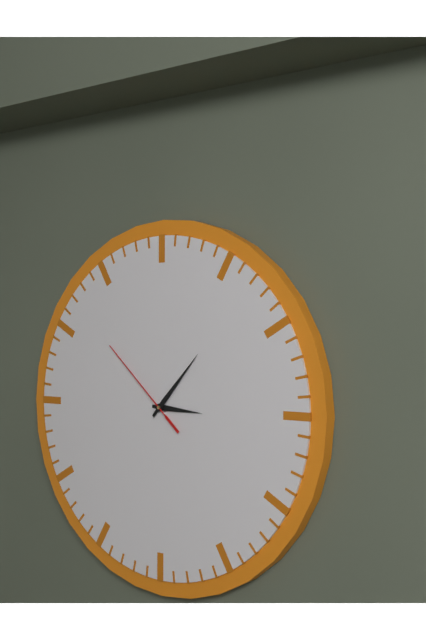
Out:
3,07,52
